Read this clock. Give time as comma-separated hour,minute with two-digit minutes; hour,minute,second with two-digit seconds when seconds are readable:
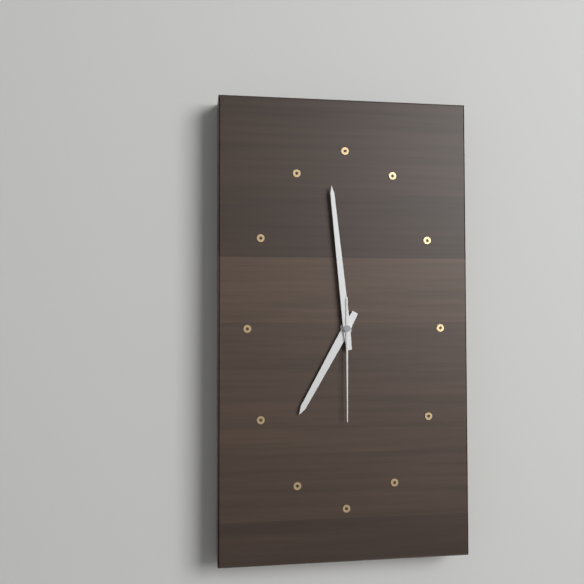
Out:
6,59,30
